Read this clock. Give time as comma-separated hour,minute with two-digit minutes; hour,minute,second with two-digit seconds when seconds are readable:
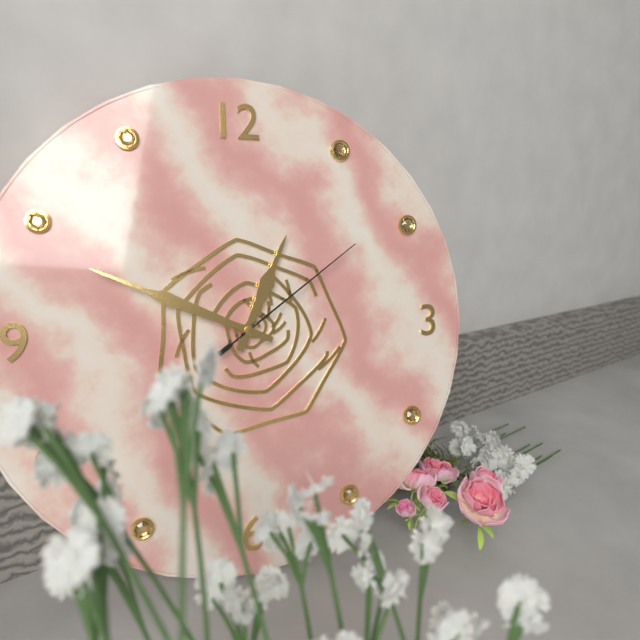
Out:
12,49,09
